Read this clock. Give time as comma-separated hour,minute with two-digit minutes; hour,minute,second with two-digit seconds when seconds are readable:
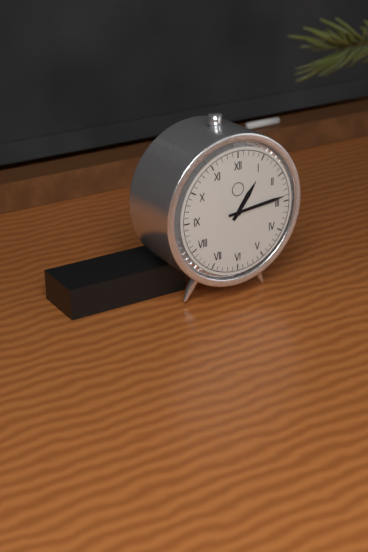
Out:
1,14
